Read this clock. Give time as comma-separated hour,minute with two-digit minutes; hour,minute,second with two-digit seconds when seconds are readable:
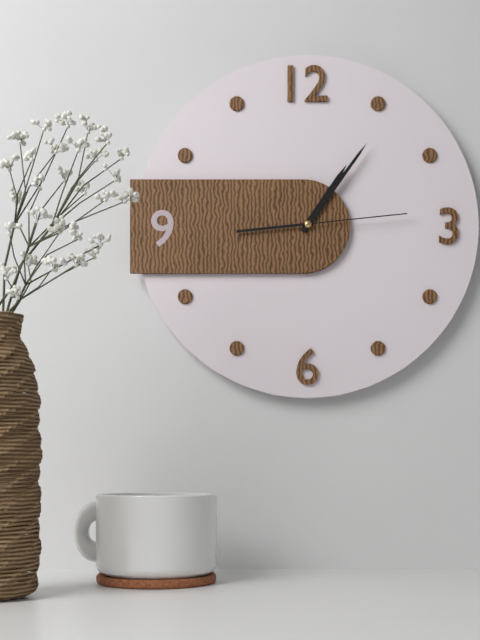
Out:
1,06,14
